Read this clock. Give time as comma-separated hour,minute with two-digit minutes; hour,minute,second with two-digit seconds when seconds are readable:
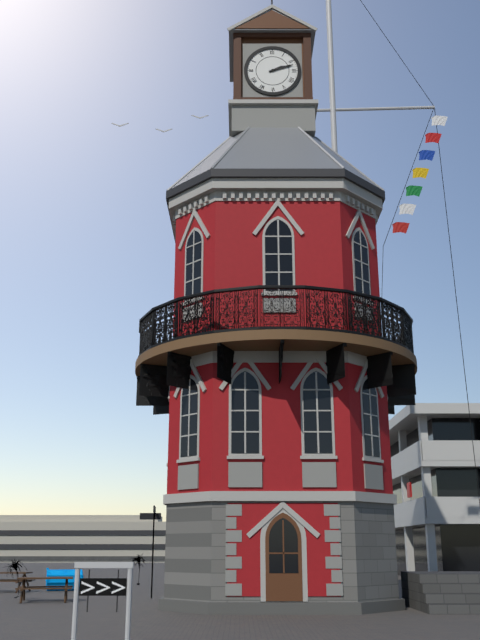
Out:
2,12
